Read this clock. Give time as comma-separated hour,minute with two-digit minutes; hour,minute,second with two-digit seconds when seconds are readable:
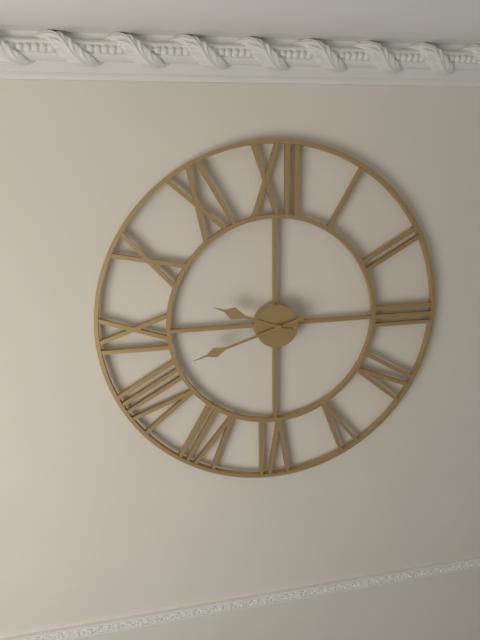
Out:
9,42
